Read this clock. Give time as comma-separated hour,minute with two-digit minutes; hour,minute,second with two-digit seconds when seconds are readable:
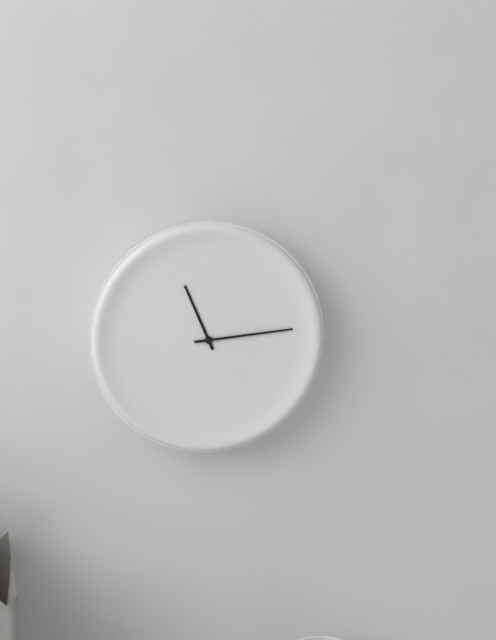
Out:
11,14
